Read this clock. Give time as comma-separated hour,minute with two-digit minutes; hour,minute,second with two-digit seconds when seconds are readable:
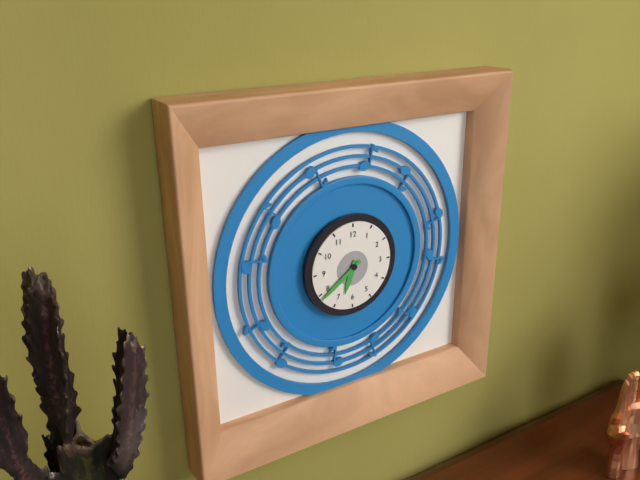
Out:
6,39
